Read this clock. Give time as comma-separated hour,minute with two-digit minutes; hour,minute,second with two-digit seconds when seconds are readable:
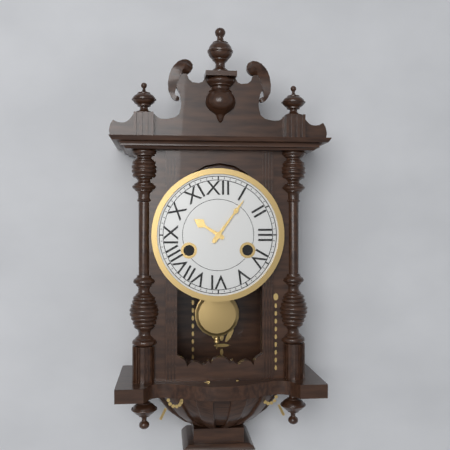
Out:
10,06
